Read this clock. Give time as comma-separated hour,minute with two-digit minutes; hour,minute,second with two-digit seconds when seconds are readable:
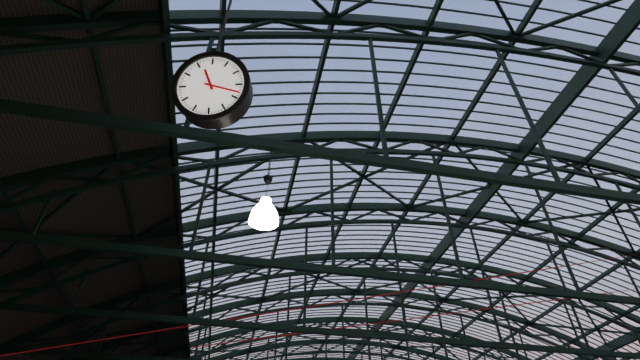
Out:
11,18
